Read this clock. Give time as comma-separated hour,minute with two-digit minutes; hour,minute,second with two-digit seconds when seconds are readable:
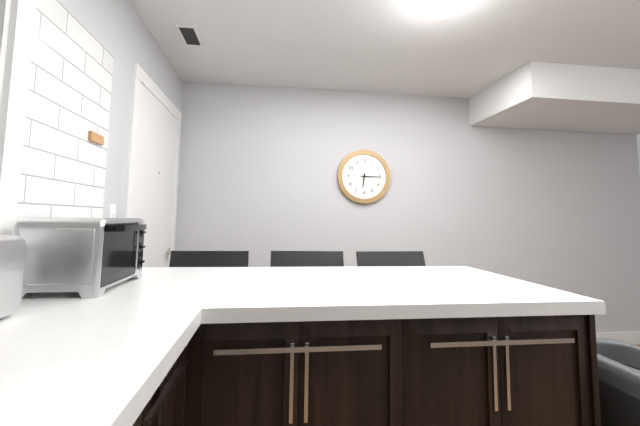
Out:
6,15
